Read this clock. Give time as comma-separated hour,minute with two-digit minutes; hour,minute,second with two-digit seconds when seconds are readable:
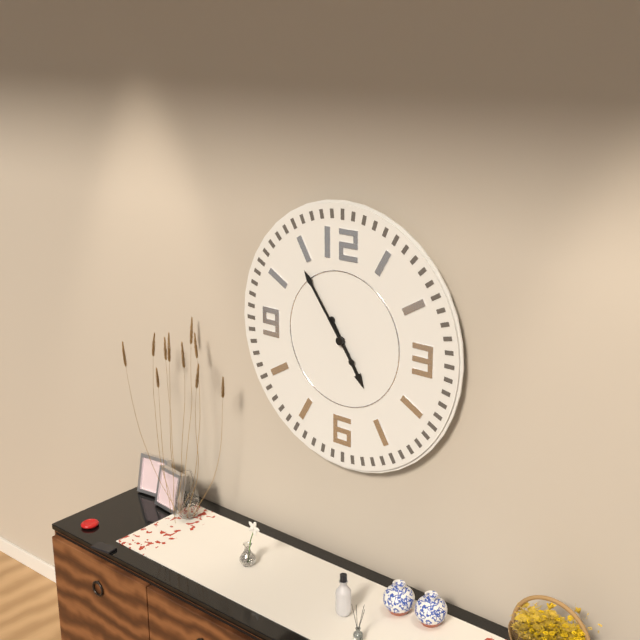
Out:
4,54
